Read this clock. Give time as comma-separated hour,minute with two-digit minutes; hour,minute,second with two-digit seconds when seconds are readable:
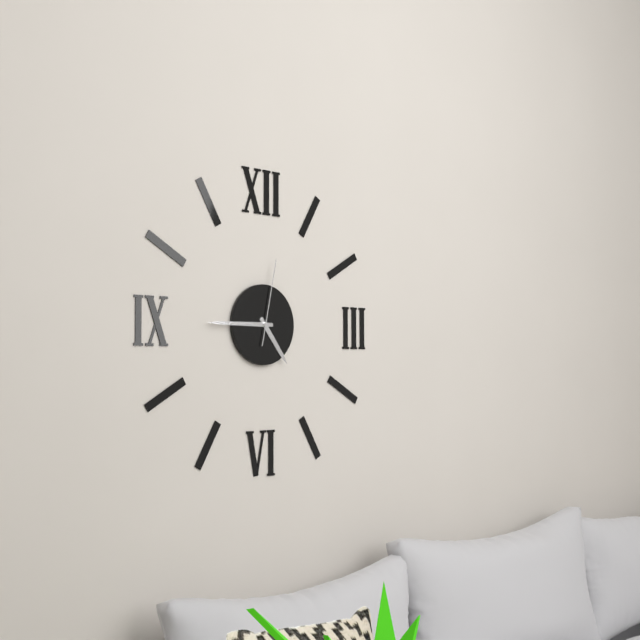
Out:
4,45,02
